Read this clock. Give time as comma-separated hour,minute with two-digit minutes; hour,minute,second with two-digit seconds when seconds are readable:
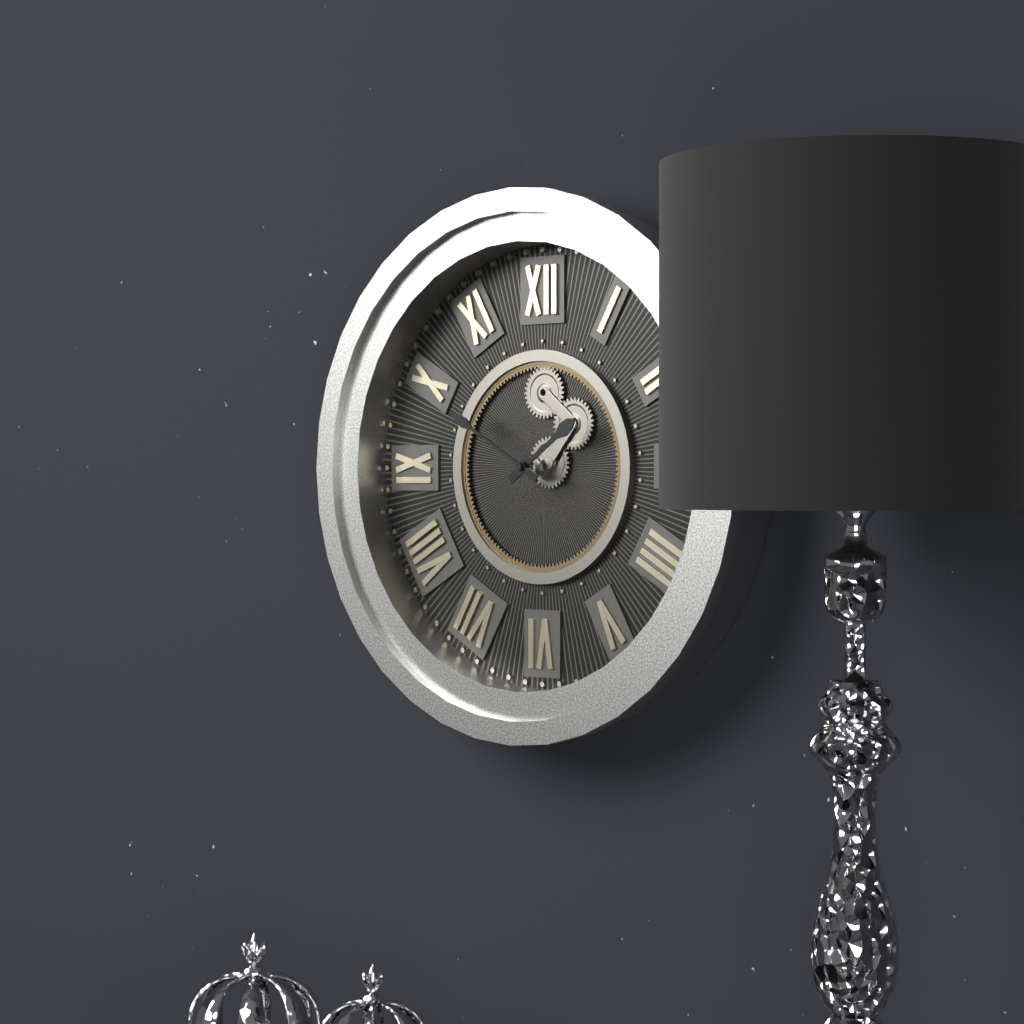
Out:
1,50
